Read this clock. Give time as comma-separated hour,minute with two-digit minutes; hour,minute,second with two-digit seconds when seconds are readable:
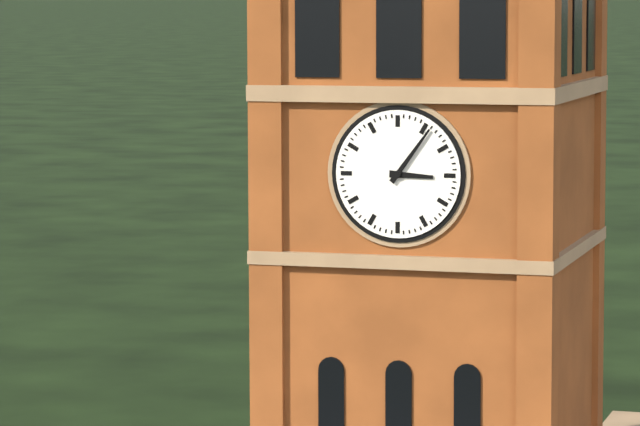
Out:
3,06
